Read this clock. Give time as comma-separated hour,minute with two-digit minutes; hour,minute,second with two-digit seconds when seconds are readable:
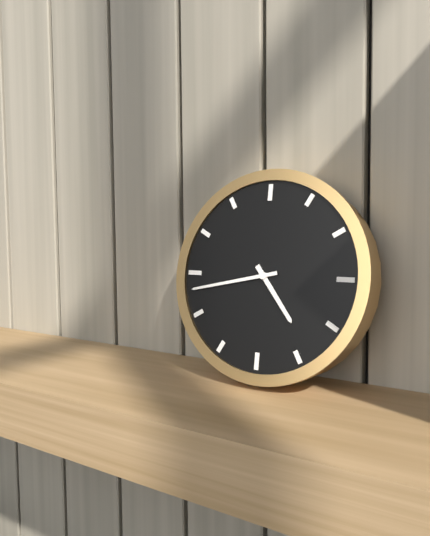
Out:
4,43
